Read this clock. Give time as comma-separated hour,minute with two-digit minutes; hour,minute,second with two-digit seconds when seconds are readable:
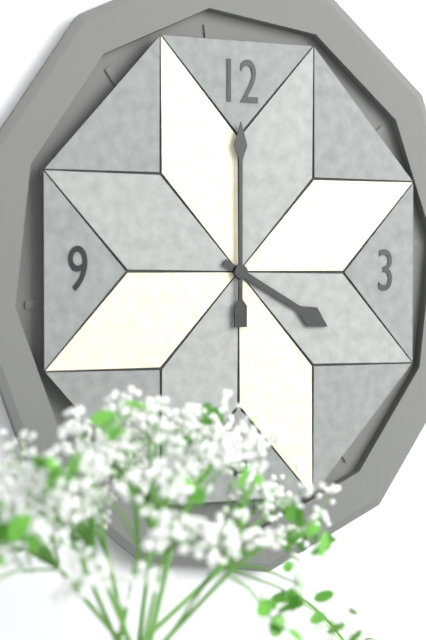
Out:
4,00
